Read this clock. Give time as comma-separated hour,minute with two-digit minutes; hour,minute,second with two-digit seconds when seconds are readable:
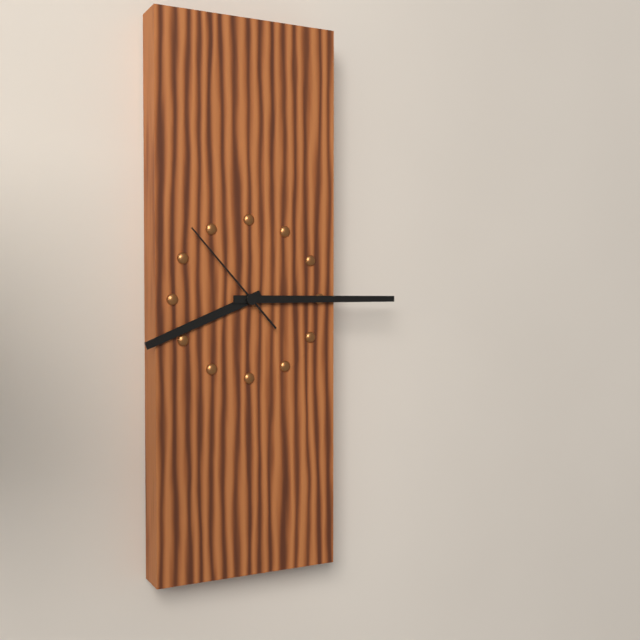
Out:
8,15,53
